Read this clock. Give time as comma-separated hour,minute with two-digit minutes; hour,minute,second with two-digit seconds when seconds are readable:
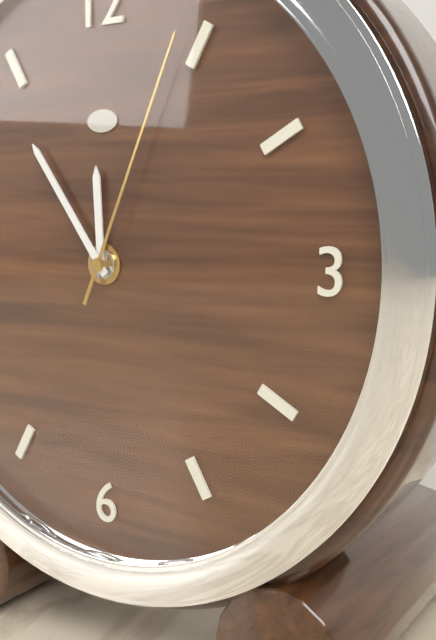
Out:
11,54,04
